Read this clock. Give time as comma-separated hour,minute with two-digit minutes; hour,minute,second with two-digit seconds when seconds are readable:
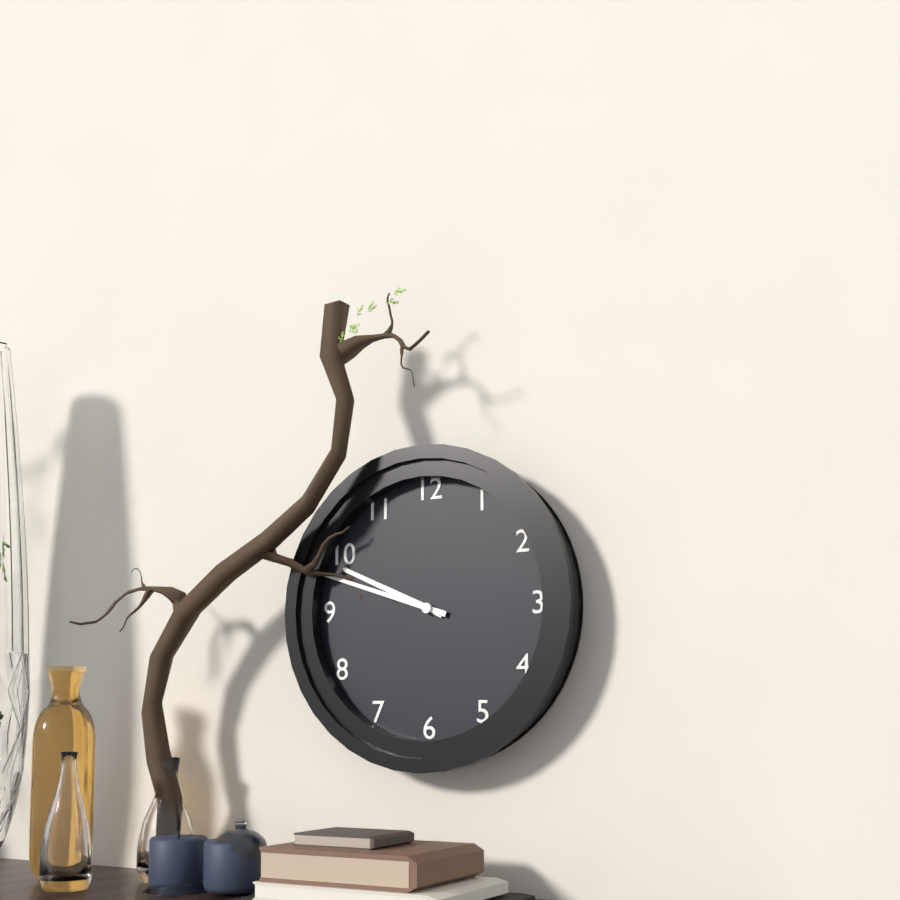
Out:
9,48
